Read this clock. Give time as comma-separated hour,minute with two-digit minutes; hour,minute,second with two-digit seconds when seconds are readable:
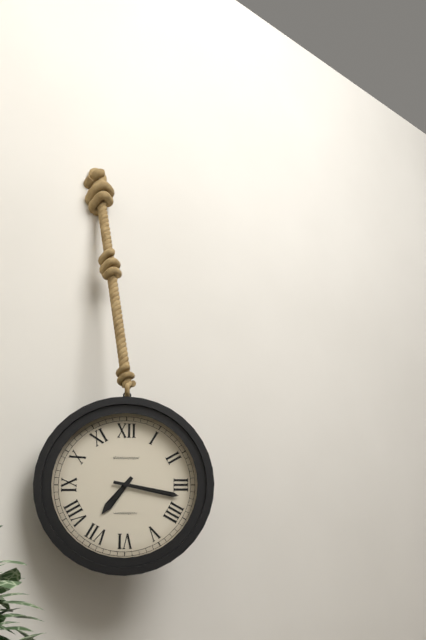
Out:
7,17
